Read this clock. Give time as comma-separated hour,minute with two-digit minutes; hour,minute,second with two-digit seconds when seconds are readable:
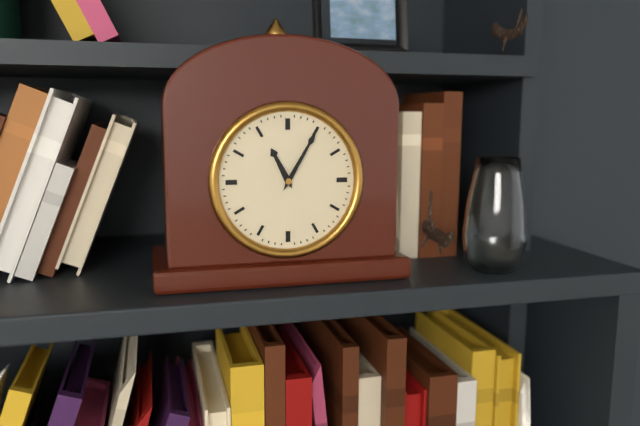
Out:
11,05
